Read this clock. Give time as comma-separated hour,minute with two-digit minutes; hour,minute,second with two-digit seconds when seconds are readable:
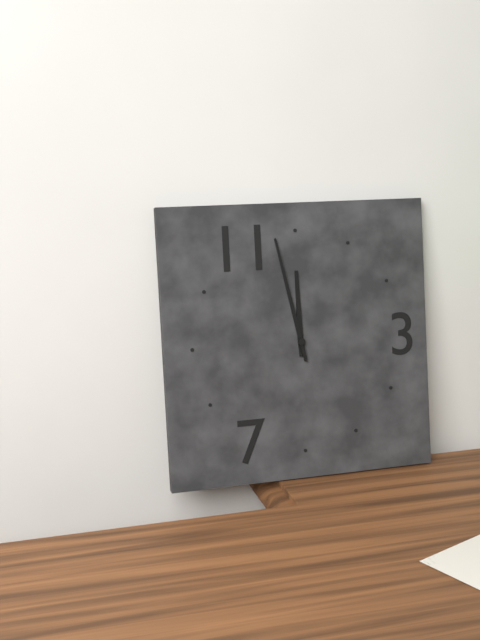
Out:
11,58
